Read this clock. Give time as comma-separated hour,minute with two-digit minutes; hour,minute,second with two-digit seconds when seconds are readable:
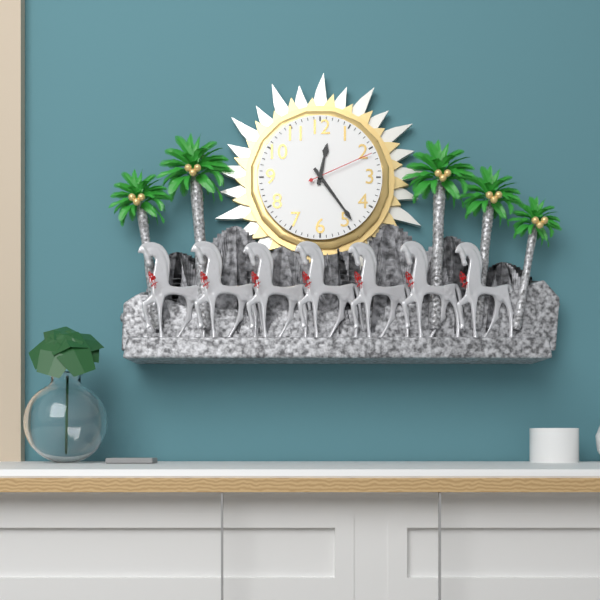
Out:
12,24,11
